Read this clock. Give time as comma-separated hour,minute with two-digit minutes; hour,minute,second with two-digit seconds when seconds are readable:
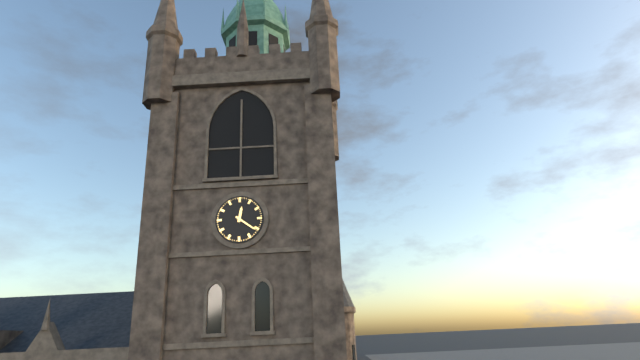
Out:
12,21
